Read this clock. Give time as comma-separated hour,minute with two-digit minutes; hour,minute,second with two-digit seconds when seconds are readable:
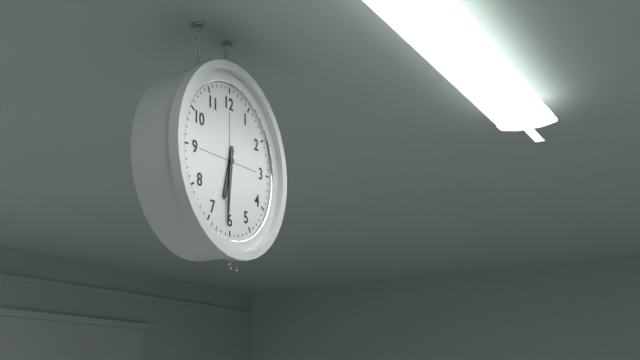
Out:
6,31
